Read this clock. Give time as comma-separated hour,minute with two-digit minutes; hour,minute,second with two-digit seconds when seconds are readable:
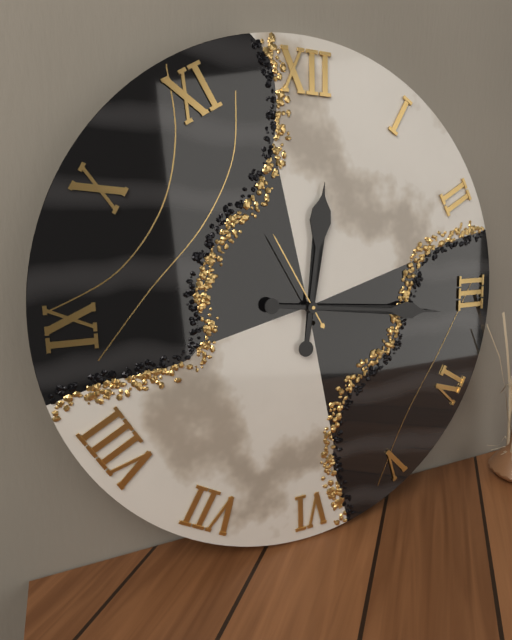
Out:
12,16,55
